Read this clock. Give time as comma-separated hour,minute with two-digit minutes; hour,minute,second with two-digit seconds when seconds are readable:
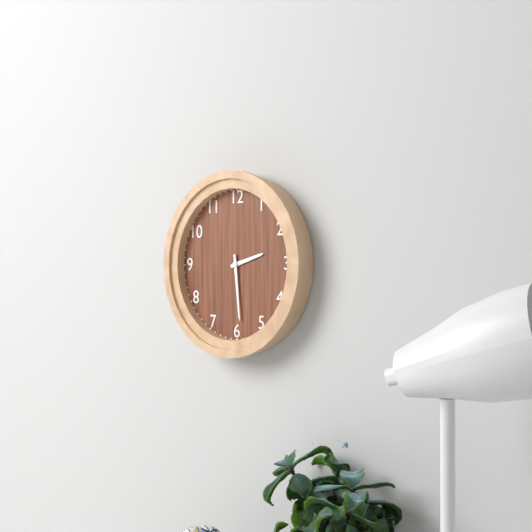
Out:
2,29
